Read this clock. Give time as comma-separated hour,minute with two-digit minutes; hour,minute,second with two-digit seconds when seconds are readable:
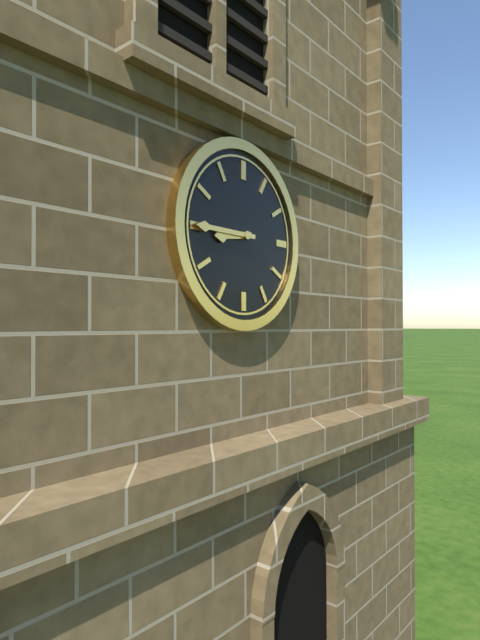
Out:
8,45
